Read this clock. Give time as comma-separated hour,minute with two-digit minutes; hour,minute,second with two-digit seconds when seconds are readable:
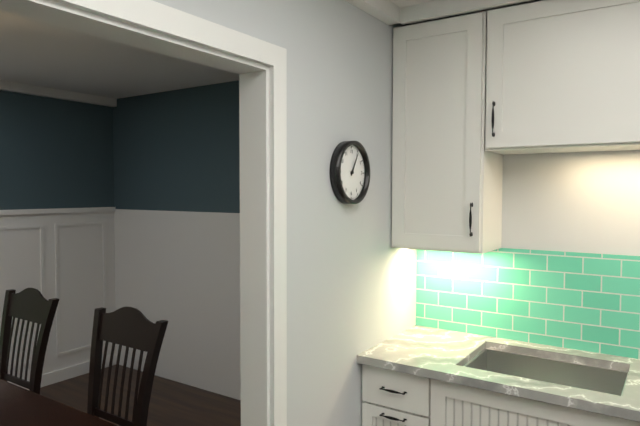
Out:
1,05
